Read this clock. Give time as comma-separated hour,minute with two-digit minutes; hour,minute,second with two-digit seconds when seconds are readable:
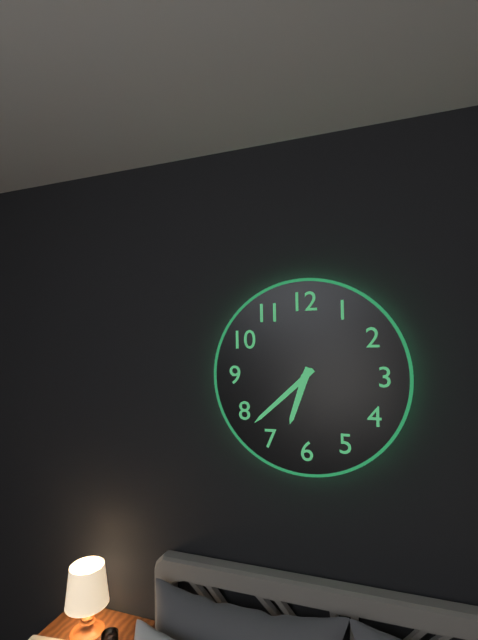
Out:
6,38
